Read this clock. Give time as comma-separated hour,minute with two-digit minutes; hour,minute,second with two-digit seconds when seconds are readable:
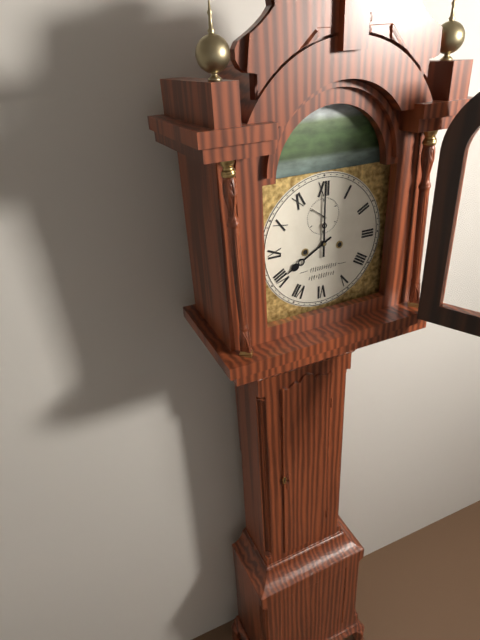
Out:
8,00
